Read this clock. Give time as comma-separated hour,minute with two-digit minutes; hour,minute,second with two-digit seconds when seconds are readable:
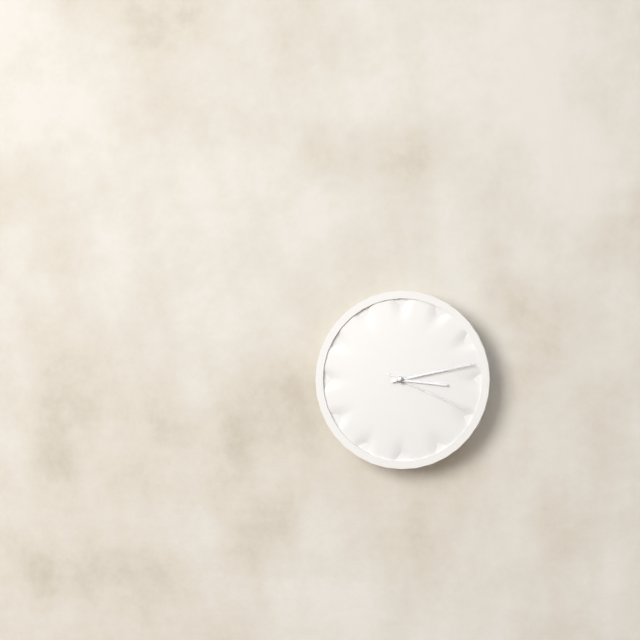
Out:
3,13,19
